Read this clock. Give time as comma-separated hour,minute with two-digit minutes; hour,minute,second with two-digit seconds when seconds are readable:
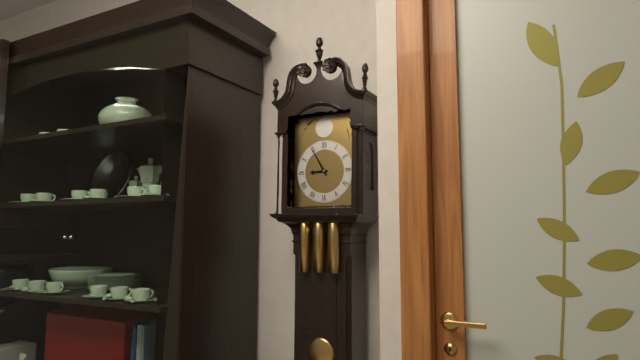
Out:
8,55
